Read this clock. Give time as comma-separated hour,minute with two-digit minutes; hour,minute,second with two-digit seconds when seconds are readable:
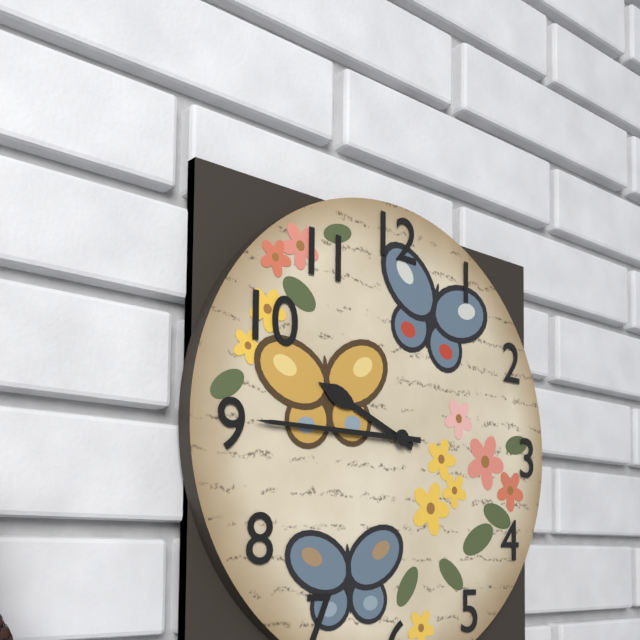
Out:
9,45
